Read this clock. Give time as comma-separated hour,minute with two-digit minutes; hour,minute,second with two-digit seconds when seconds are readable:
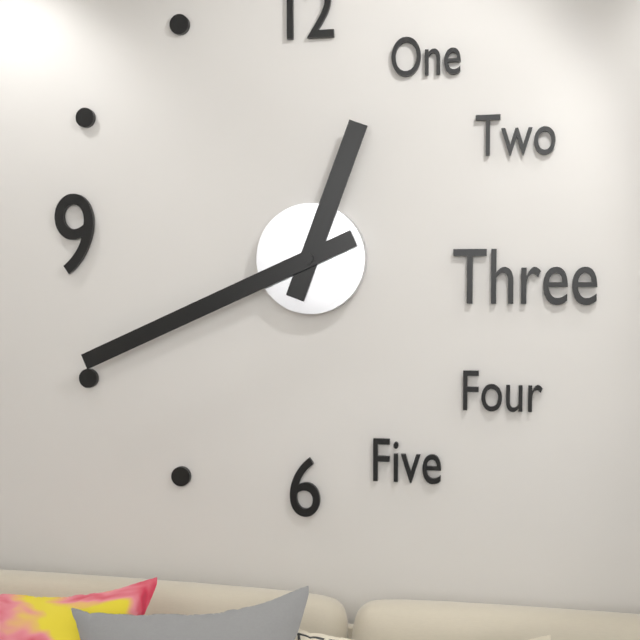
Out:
12,41
